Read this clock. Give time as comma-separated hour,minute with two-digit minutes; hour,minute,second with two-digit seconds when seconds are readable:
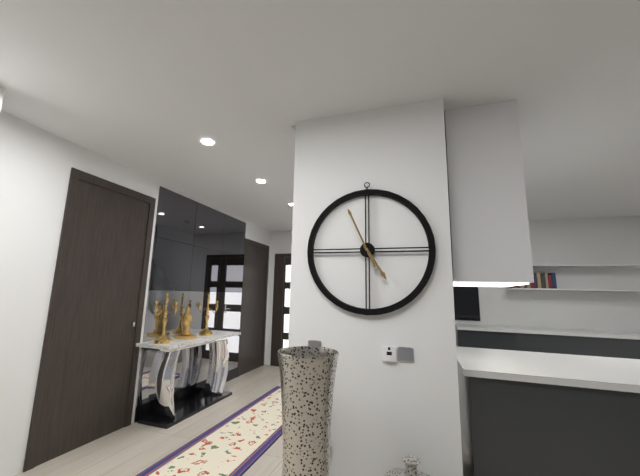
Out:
4,56
